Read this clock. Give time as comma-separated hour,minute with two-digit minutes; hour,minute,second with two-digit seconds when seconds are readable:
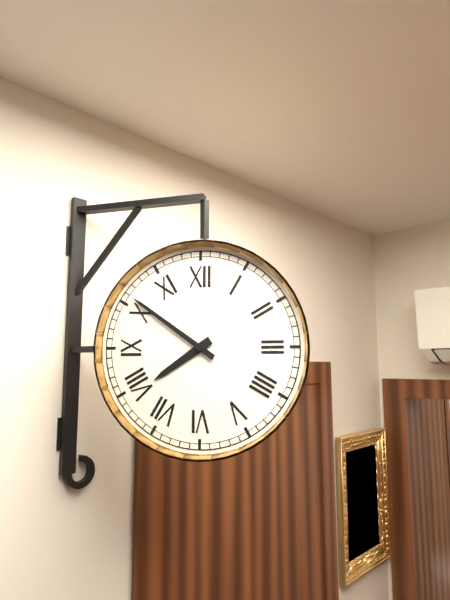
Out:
7,51
